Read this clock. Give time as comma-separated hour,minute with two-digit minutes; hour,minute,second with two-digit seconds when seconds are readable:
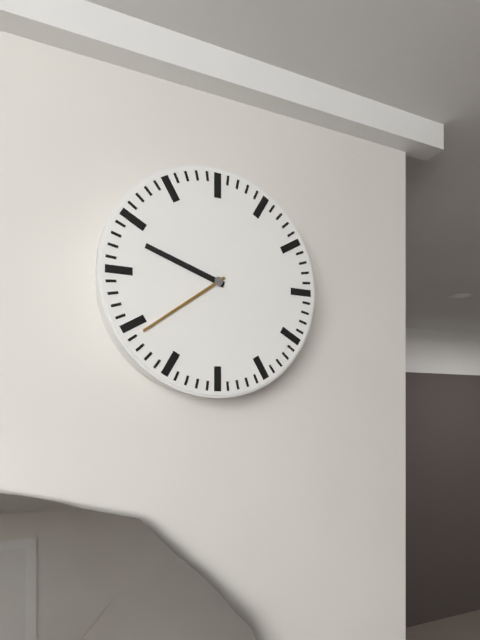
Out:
9,39
